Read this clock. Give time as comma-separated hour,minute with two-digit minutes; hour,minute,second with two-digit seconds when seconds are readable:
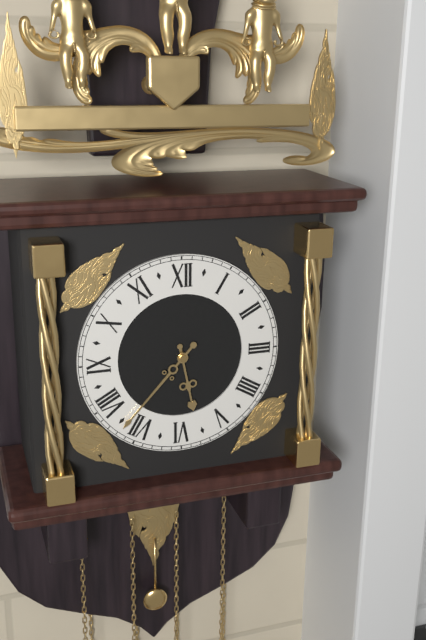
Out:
5,37
